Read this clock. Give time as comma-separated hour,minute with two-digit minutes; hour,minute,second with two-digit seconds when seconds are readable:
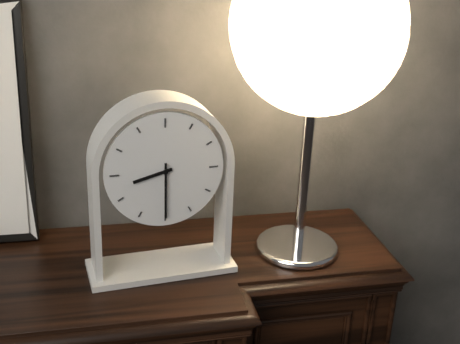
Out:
8,30
